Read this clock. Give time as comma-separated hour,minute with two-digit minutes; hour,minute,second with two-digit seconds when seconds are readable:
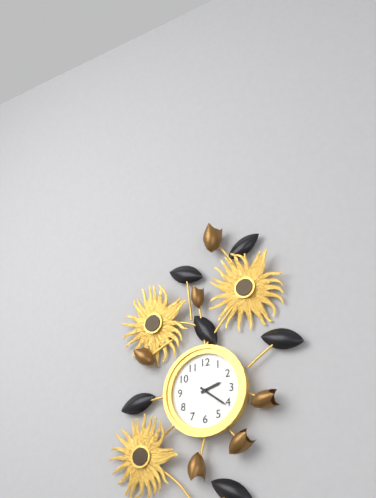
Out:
2,21
